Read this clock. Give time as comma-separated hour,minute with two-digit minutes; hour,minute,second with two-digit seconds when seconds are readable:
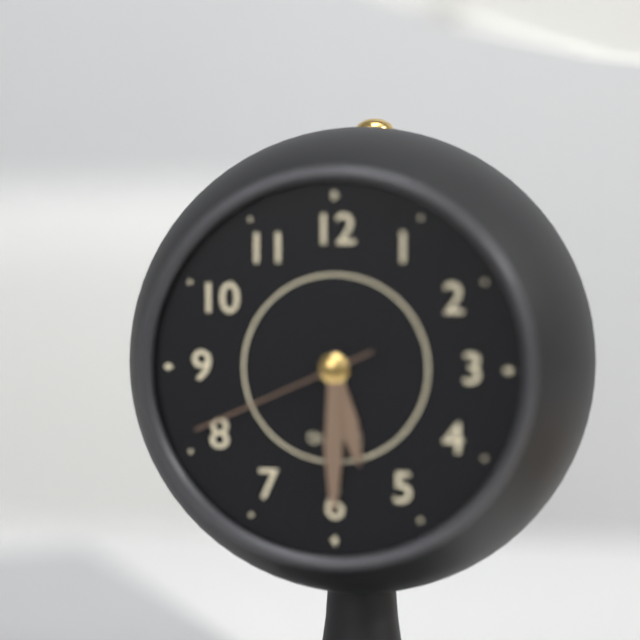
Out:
5,30,41
